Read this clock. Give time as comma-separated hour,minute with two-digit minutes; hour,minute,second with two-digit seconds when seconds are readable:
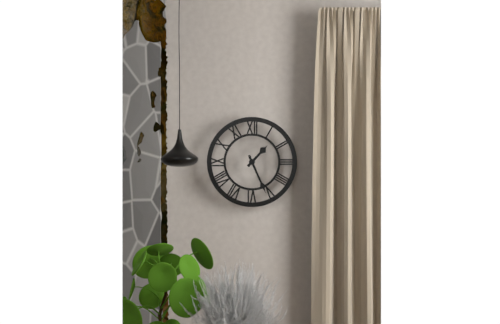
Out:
1,26
